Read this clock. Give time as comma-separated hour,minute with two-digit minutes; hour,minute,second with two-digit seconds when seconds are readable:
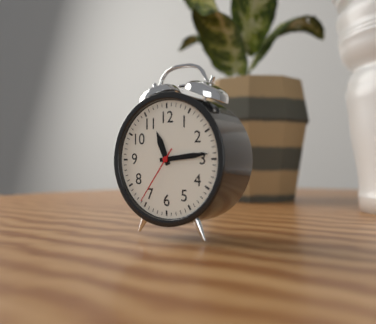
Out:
11,14,36
